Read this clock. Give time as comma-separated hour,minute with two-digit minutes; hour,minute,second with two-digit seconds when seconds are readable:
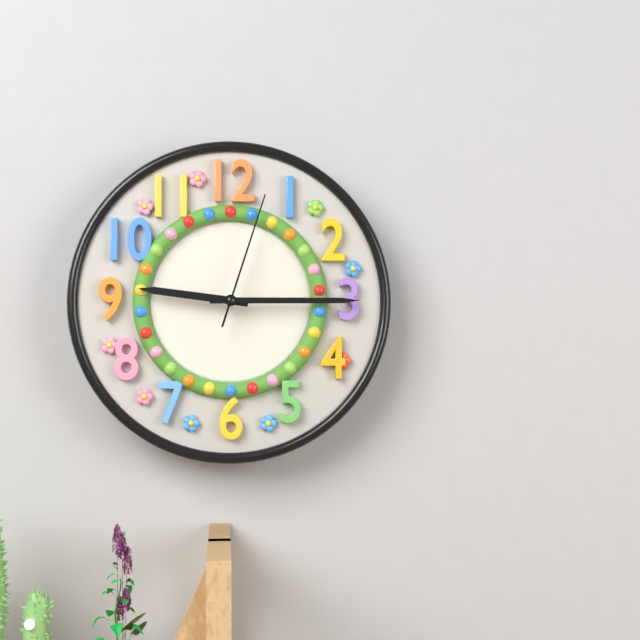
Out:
9,15,03
